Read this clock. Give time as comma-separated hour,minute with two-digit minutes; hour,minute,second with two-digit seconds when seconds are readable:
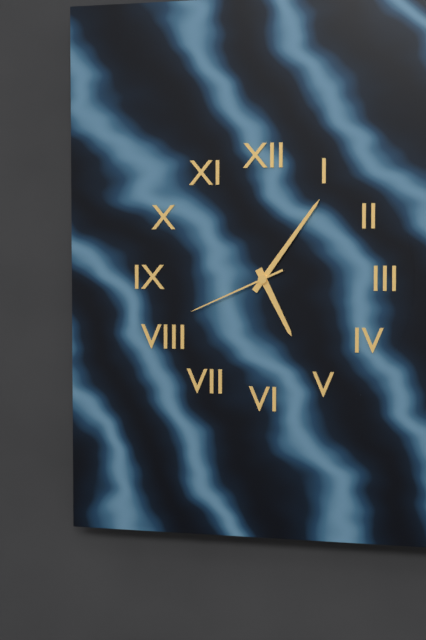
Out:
5,06,41
